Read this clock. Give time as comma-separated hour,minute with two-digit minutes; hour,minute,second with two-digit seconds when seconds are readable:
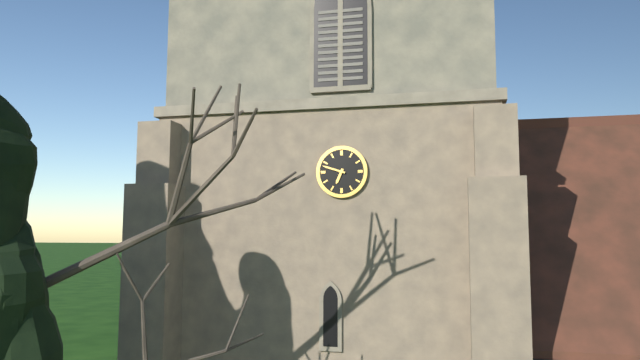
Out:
6,48
